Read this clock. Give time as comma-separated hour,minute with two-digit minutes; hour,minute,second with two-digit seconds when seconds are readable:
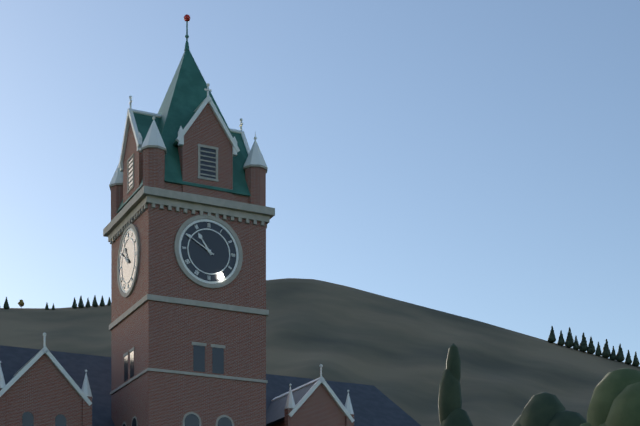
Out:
10,50
